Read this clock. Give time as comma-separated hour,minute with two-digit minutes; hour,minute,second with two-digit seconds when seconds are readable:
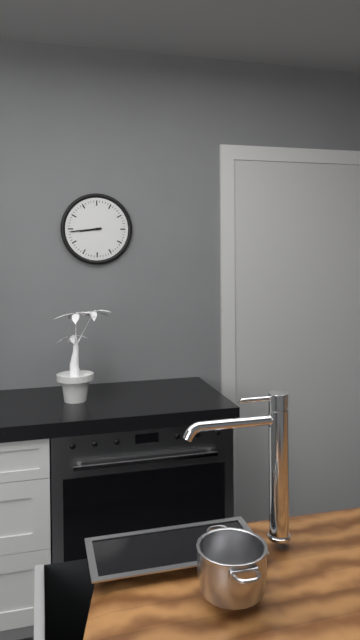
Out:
8,44
